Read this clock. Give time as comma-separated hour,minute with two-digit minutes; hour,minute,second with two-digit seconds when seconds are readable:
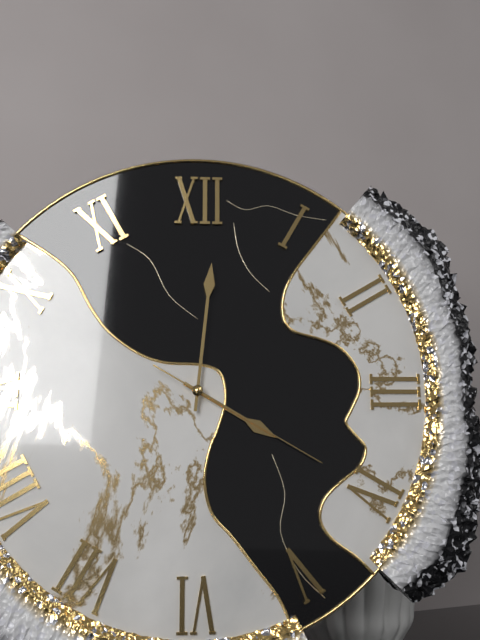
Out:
4,01,20
